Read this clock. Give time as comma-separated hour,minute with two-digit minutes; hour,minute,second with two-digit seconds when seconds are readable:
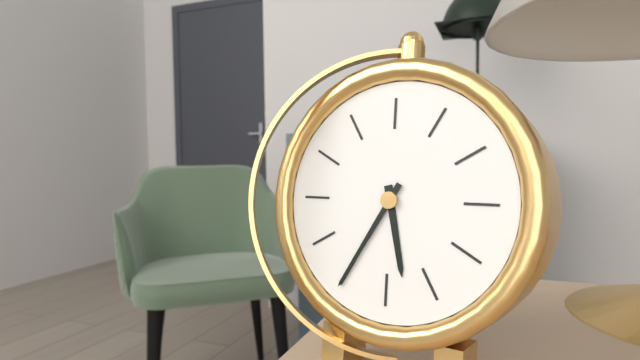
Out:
5,35
